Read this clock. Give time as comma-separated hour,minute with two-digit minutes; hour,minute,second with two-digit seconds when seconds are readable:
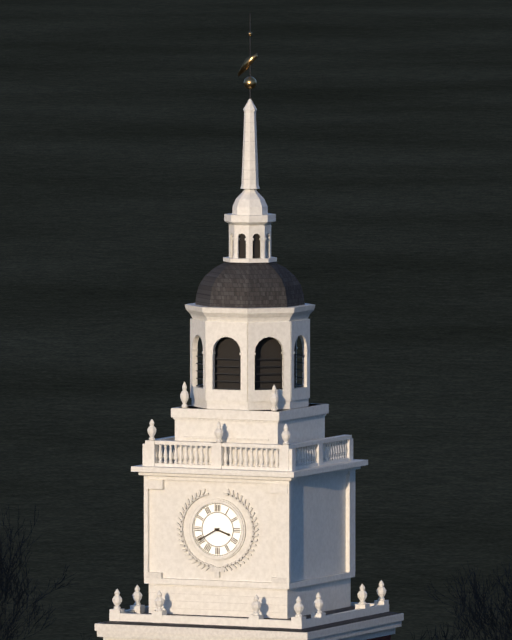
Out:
3,40
